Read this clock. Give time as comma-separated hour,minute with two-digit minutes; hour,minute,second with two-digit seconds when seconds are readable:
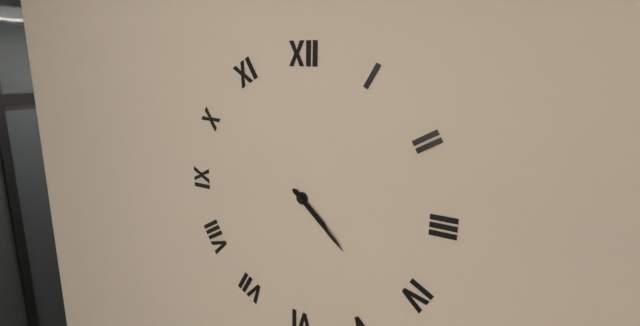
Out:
4,22
